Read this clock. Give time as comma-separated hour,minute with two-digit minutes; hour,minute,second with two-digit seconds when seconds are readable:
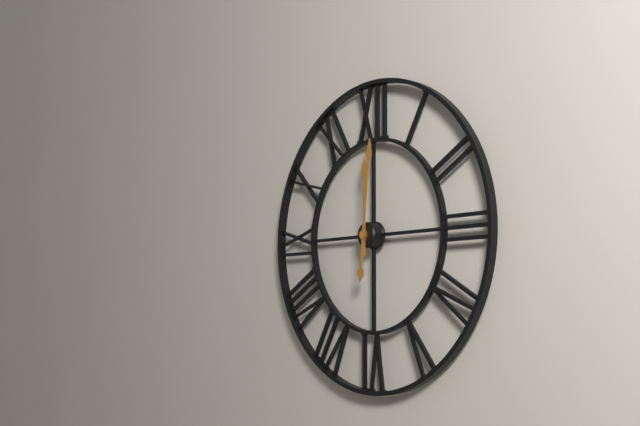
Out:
12,01
